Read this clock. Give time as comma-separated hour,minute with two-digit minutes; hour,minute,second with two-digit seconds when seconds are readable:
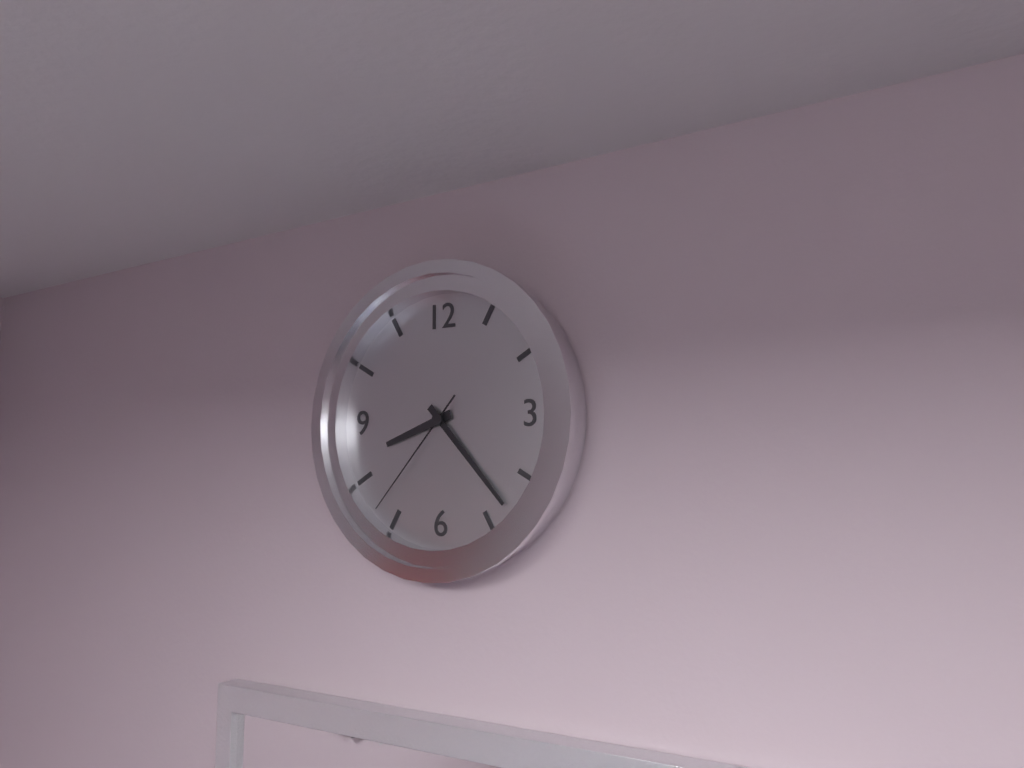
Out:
8,23,37
